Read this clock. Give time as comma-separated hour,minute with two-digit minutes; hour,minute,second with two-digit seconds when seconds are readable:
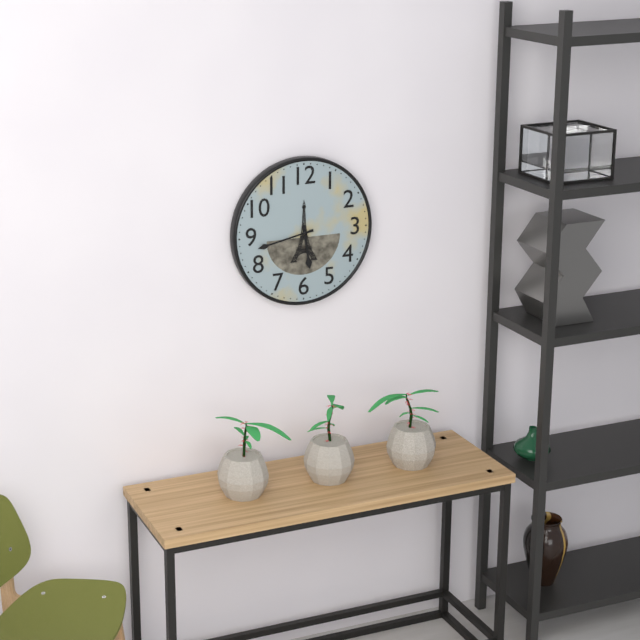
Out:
5,43
